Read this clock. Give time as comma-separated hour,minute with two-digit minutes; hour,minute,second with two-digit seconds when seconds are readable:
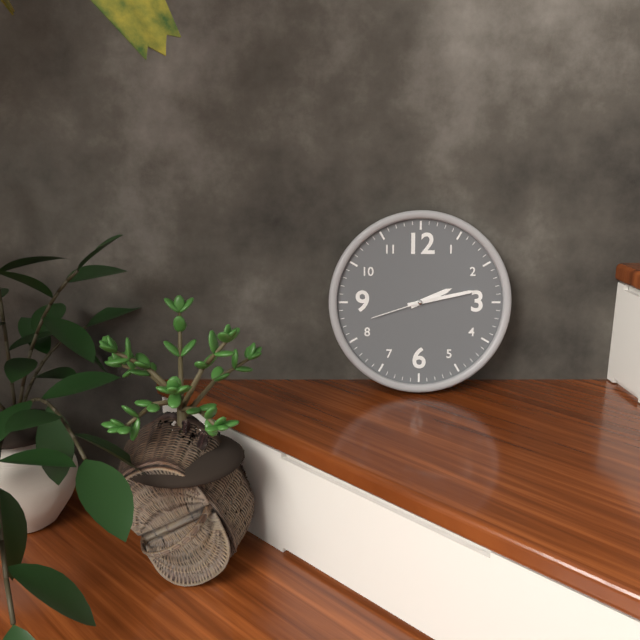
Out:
2,13,42
